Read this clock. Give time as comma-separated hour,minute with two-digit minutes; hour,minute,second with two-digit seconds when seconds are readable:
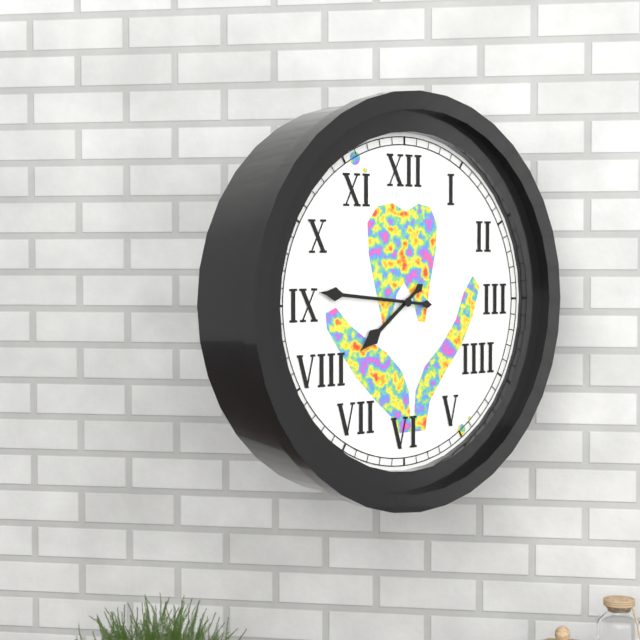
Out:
7,46
